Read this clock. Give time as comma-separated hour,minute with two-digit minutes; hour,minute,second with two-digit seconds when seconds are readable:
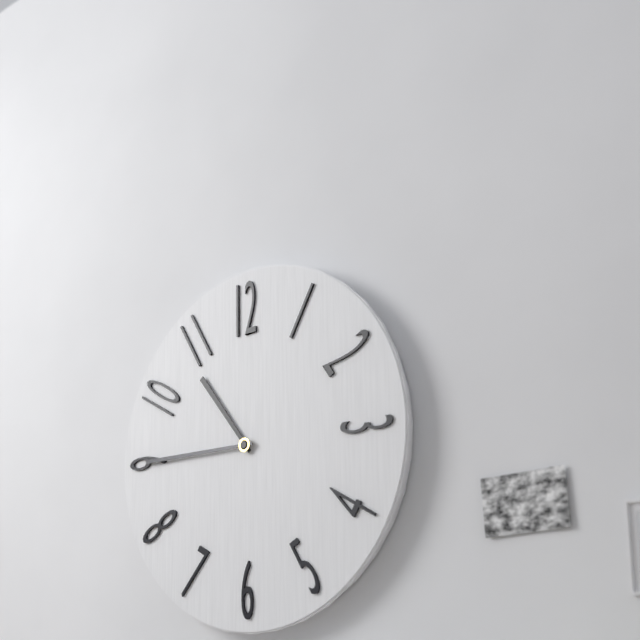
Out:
10,45
